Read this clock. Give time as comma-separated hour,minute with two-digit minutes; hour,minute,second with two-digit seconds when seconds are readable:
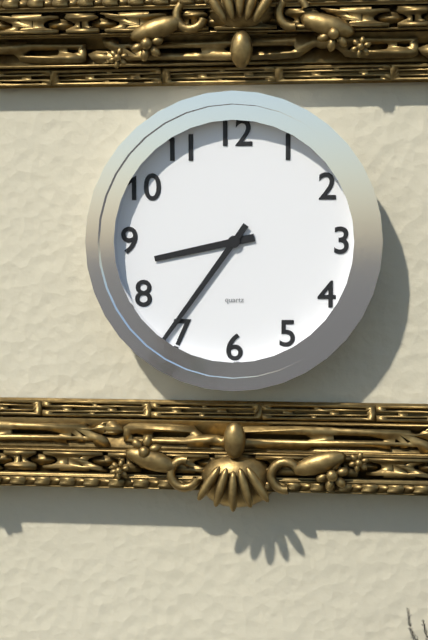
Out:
8,36
